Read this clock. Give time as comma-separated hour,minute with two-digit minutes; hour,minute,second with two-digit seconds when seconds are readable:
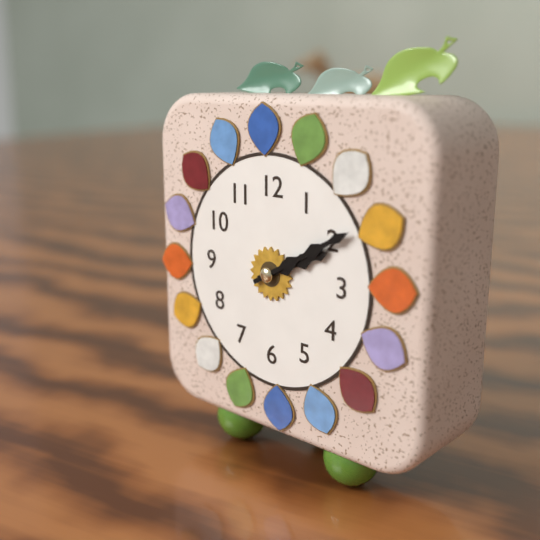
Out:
2,10
